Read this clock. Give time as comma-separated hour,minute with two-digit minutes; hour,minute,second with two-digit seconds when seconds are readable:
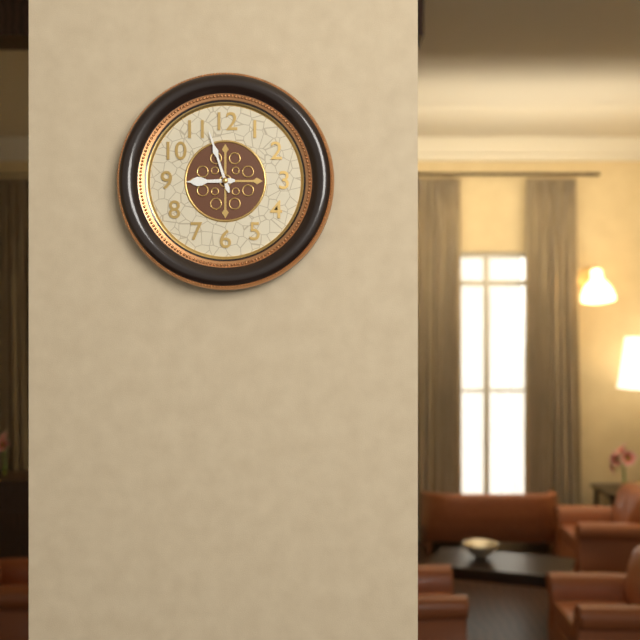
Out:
8,57
